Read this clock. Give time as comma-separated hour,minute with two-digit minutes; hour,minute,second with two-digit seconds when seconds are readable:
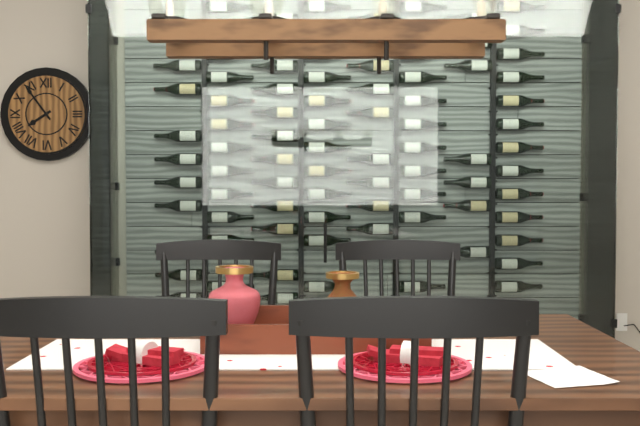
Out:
7,54
